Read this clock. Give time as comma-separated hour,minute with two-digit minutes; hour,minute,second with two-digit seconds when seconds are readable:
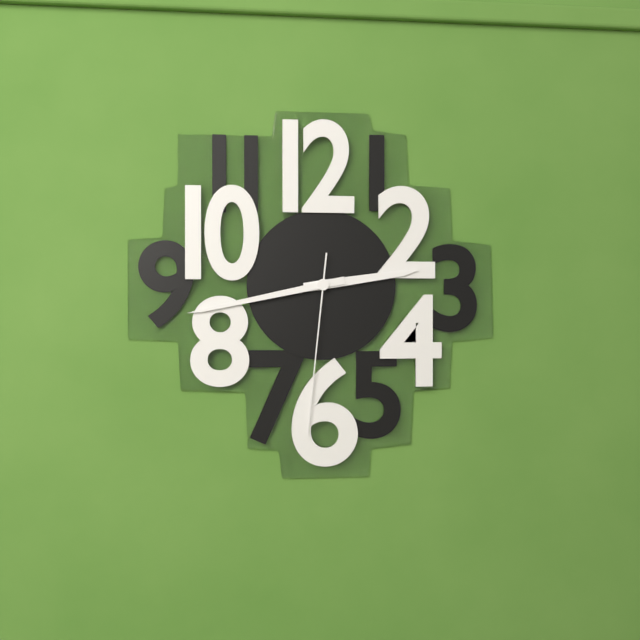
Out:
2,43,31
